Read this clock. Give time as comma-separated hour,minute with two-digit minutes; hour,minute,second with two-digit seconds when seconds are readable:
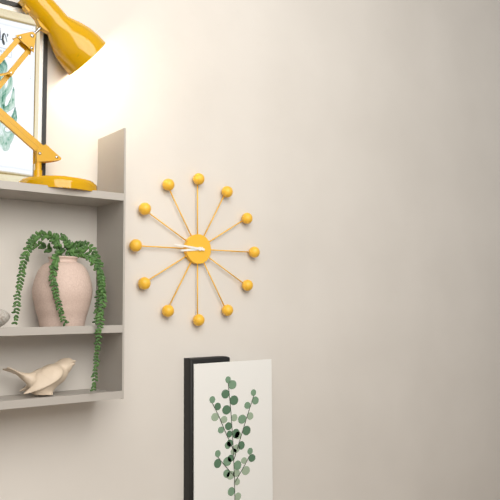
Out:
8,46
